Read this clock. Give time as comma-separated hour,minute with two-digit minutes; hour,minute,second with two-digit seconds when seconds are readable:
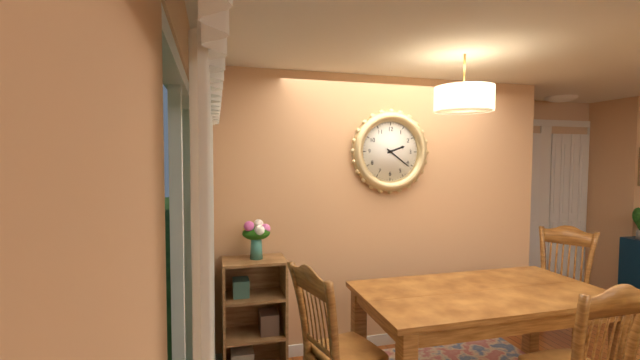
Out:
2,21
